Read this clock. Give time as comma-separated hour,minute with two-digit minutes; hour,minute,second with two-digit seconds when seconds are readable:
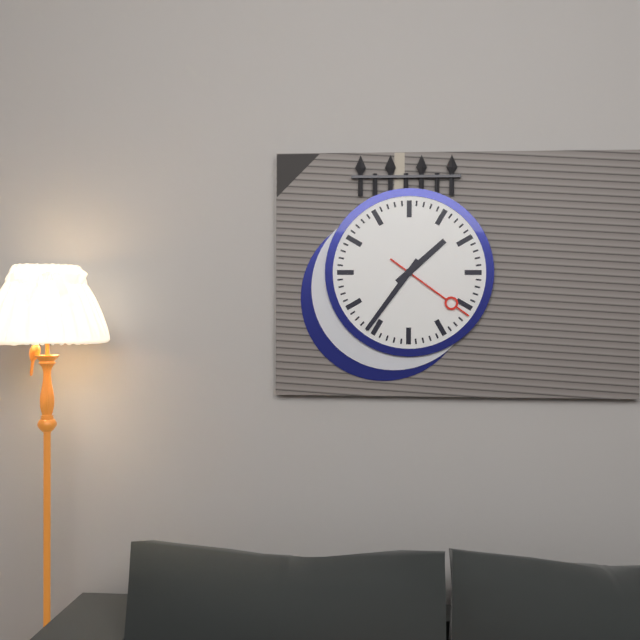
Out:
1,36,21
